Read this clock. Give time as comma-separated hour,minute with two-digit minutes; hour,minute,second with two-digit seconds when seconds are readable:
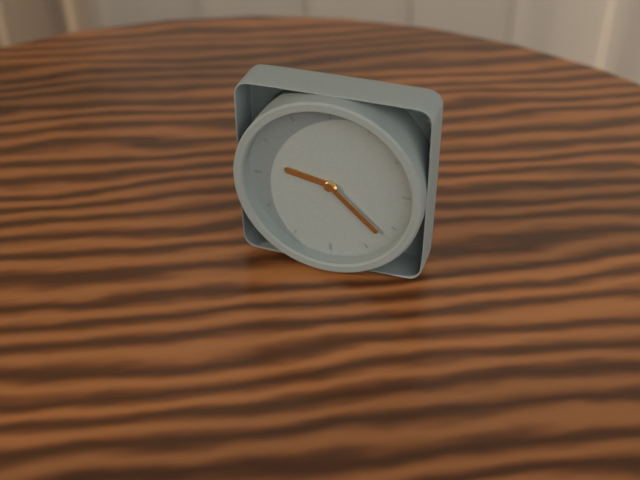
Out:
9,22
